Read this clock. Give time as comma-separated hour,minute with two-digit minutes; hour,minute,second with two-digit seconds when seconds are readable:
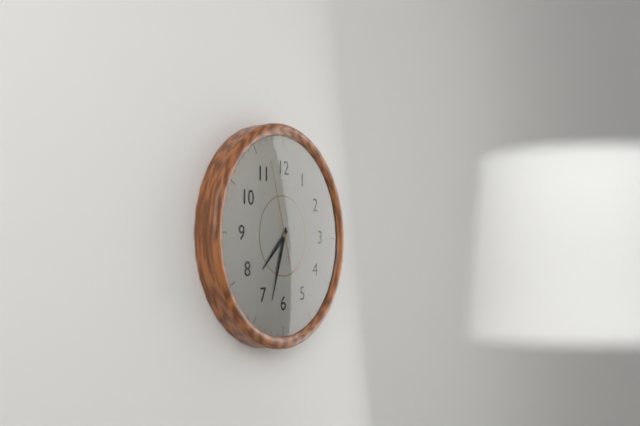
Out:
7,33,57
